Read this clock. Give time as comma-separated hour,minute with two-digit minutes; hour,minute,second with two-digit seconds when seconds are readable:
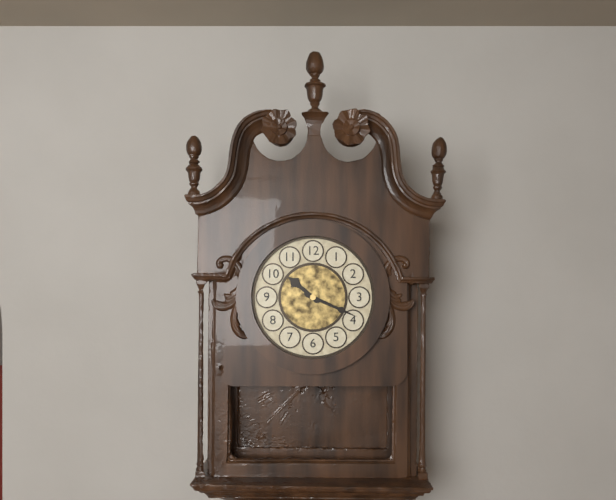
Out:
10,19
